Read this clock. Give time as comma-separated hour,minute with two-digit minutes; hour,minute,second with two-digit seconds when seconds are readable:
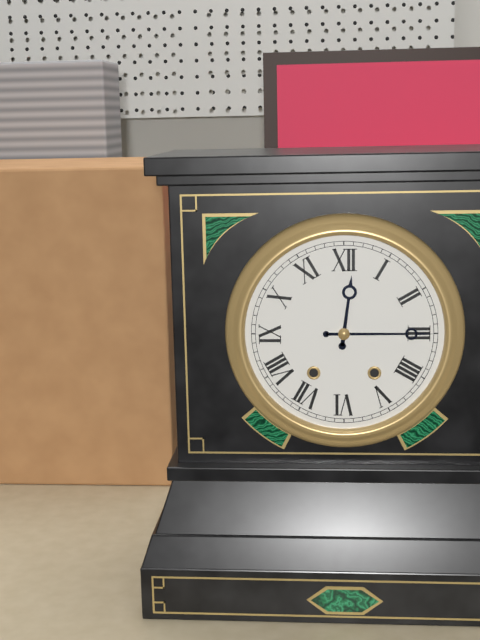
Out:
12,15
